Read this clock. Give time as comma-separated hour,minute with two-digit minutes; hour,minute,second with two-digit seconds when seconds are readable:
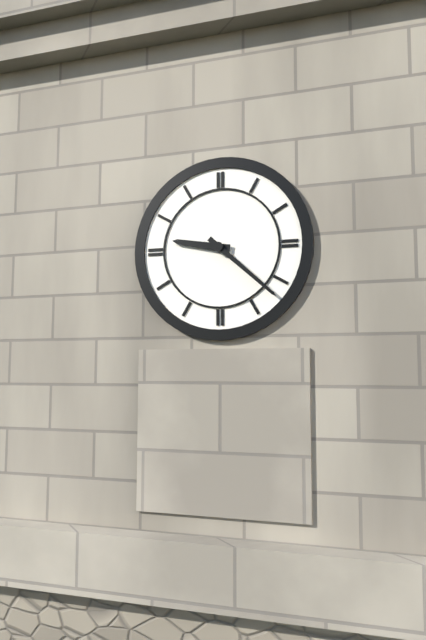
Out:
9,22
